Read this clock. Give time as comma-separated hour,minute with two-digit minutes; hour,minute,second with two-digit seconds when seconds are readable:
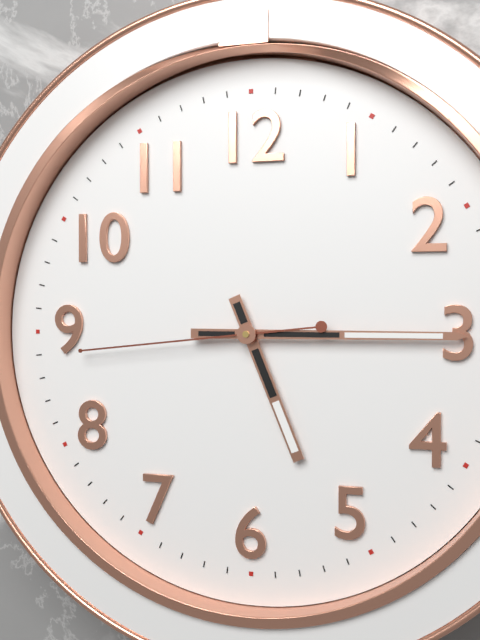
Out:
5,15,44
